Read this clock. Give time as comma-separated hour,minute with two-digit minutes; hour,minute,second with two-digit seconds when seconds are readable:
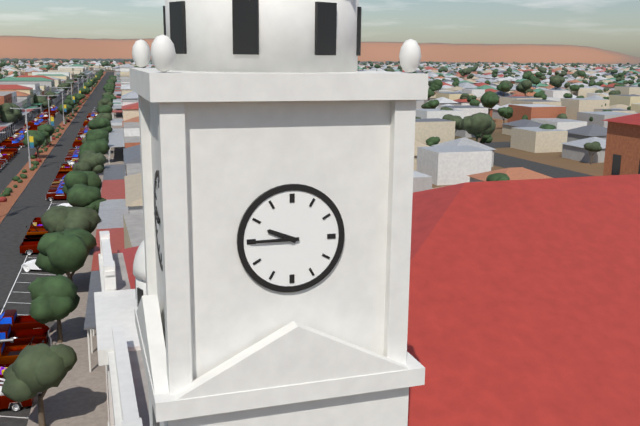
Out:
9,45
